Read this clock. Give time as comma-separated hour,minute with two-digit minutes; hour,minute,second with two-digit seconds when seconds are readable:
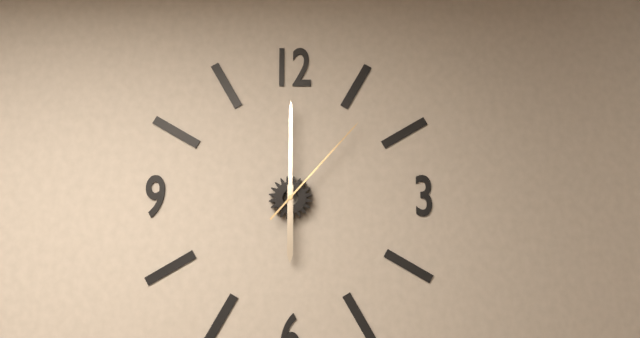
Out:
6,00,07
